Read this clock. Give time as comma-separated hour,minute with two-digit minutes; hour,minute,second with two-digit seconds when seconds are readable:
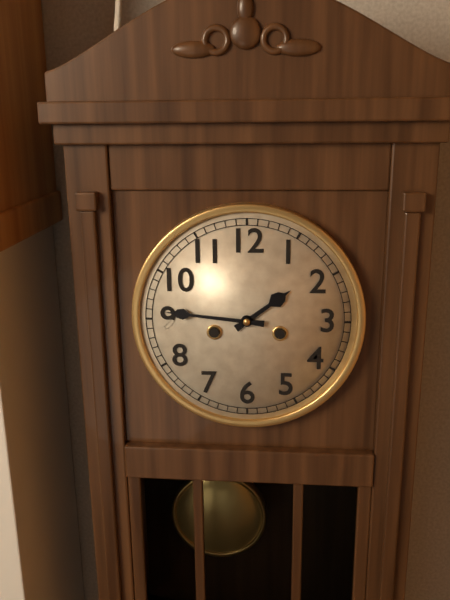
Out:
1,46
